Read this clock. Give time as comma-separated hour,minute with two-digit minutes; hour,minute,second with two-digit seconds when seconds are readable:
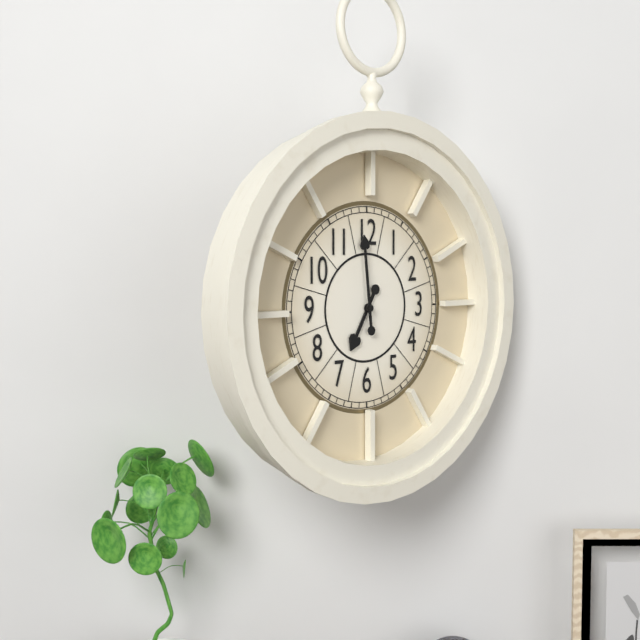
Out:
6,59
